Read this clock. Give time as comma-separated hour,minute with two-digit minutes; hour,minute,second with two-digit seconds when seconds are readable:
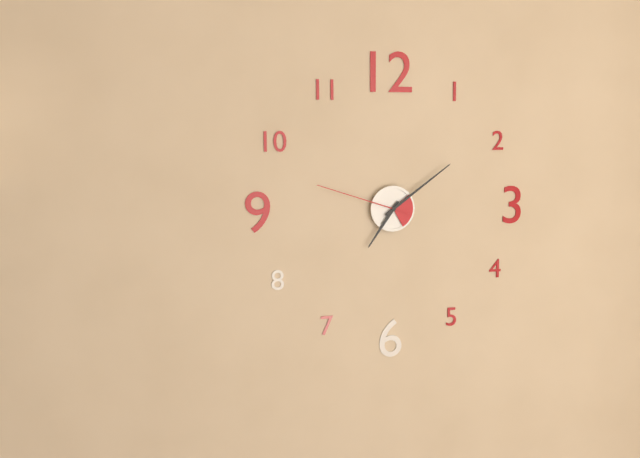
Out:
7,09,48
